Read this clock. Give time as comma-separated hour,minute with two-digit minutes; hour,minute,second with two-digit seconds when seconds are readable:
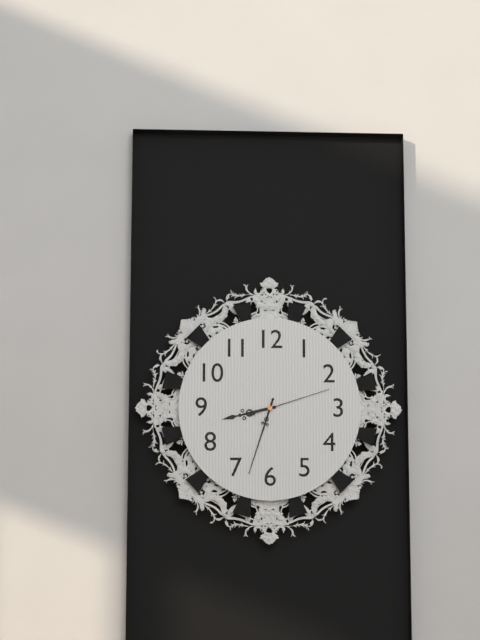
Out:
8,33,12
